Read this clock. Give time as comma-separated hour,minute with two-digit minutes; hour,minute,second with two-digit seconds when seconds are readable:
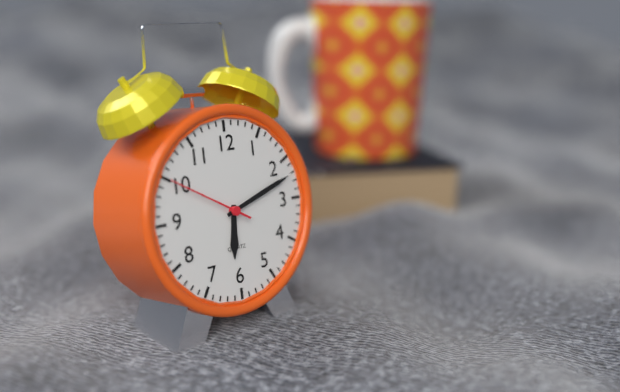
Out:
6,12,50
